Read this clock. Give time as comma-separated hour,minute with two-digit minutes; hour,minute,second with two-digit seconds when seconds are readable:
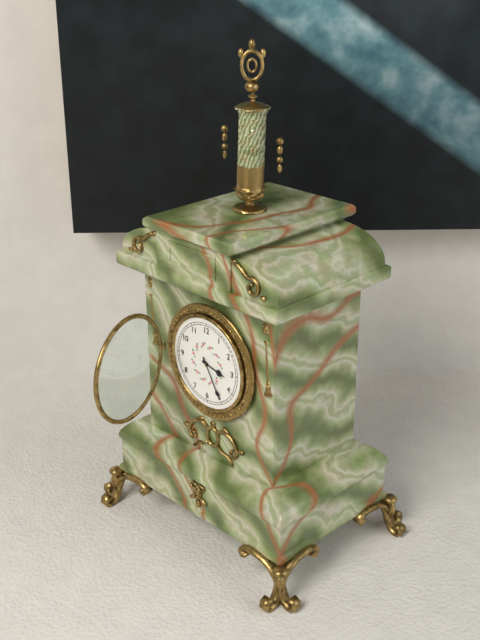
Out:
3,25
